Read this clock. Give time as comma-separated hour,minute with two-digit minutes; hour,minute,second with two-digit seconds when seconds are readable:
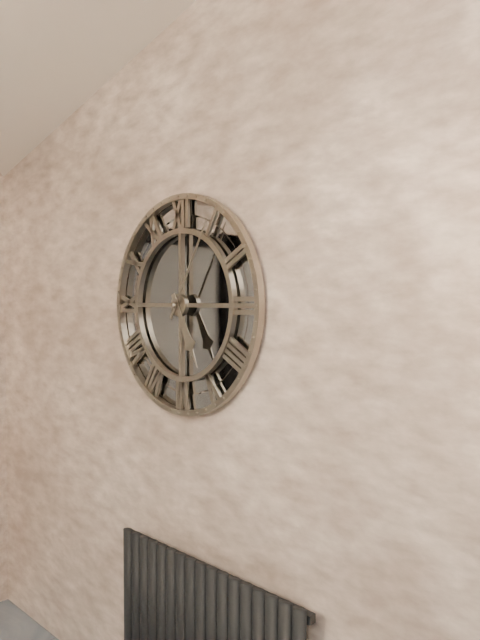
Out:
5,05
